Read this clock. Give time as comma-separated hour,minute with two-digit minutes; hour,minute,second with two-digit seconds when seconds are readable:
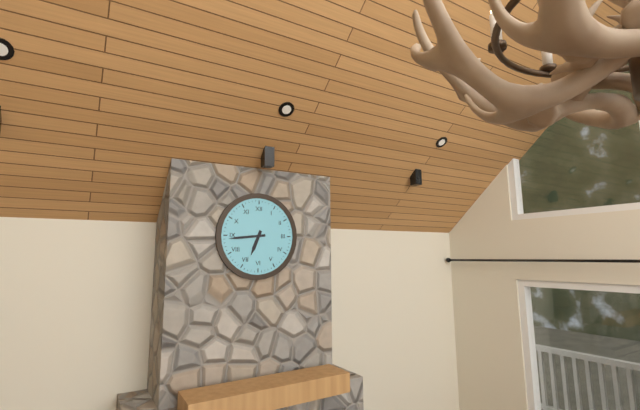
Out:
6,44
